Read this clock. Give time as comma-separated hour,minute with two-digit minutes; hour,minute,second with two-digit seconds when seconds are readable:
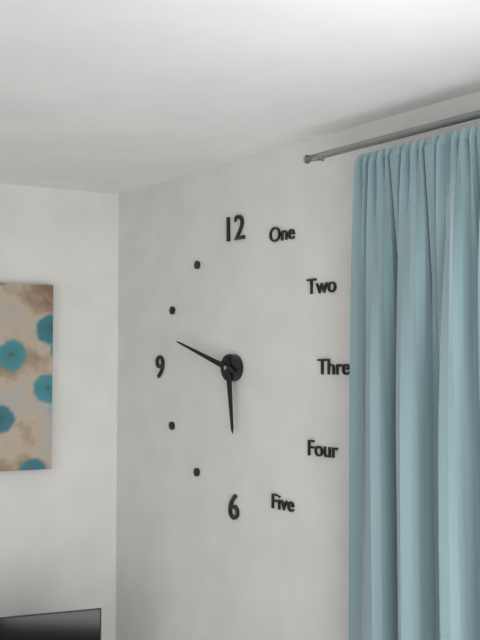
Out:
5,48
